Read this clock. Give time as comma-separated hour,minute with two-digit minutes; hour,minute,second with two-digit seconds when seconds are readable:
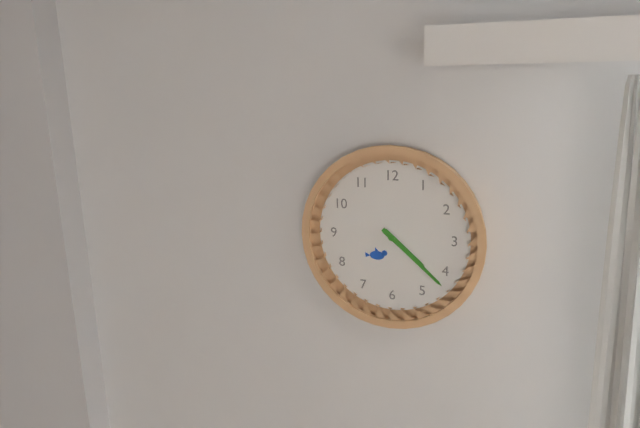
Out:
4,22
